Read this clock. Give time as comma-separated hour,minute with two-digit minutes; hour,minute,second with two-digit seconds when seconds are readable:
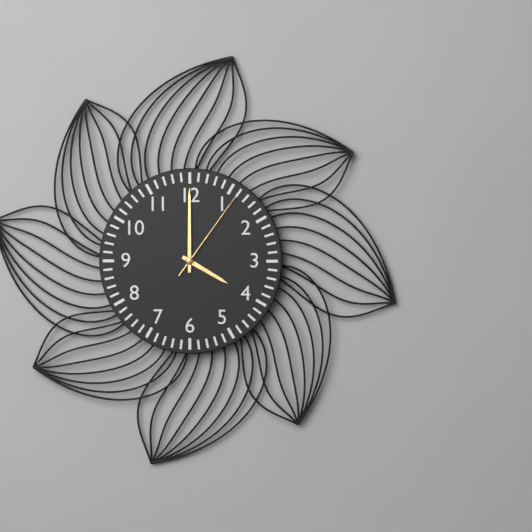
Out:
4,00,06
